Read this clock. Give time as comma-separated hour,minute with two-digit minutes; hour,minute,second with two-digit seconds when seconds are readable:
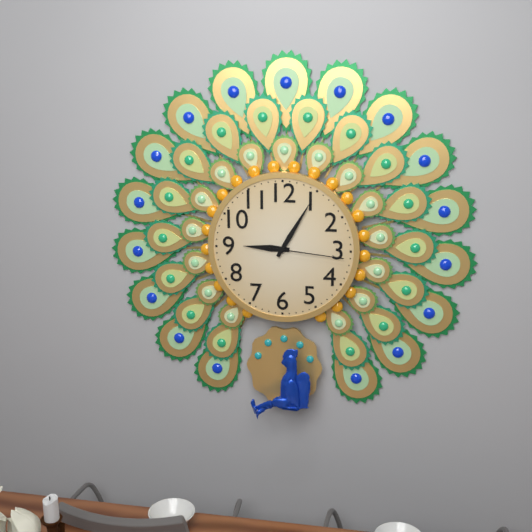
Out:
9,05,16
